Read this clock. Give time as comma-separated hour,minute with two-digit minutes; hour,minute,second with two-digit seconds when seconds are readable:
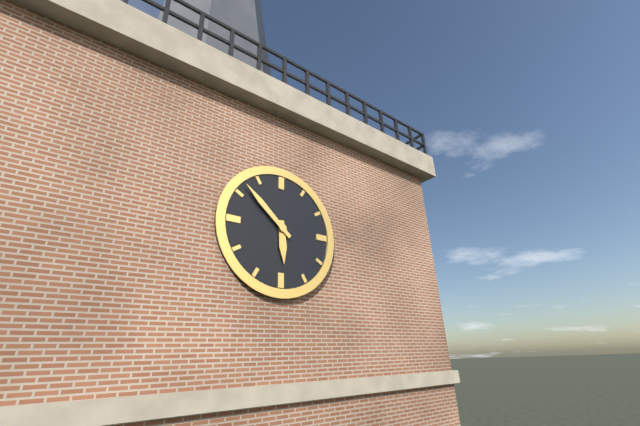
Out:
5,52
